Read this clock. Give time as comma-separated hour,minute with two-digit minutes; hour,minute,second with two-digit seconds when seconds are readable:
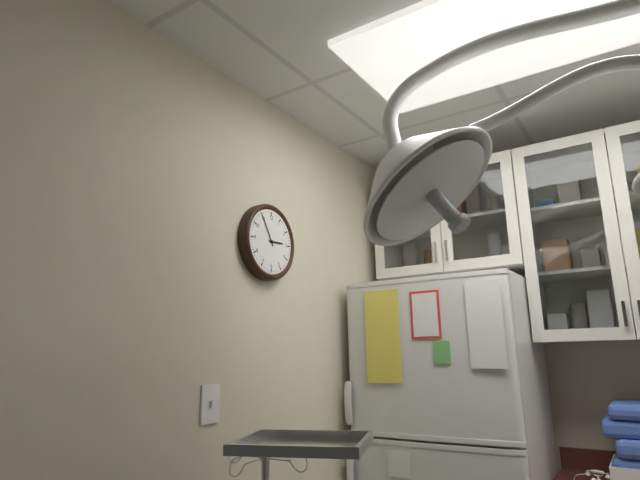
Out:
2,55
